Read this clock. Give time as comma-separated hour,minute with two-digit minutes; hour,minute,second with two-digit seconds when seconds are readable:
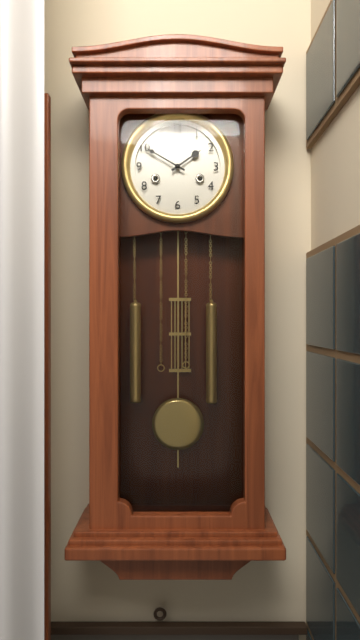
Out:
1,50
